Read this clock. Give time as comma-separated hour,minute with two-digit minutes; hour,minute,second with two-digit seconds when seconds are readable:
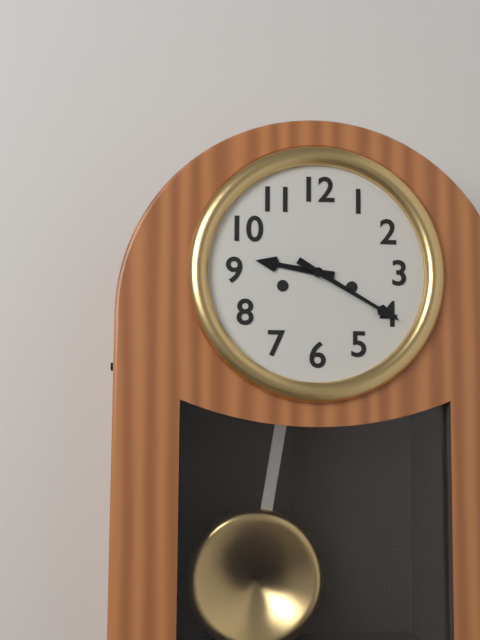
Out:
9,20
